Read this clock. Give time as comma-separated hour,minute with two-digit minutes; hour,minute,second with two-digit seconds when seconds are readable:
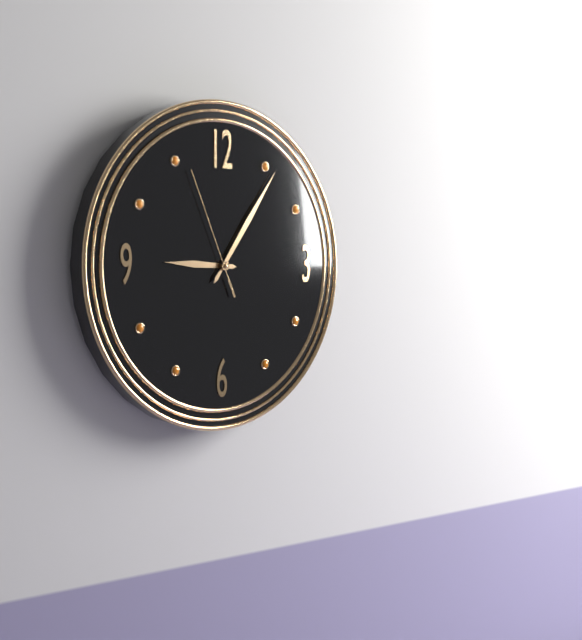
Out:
9,06,56
